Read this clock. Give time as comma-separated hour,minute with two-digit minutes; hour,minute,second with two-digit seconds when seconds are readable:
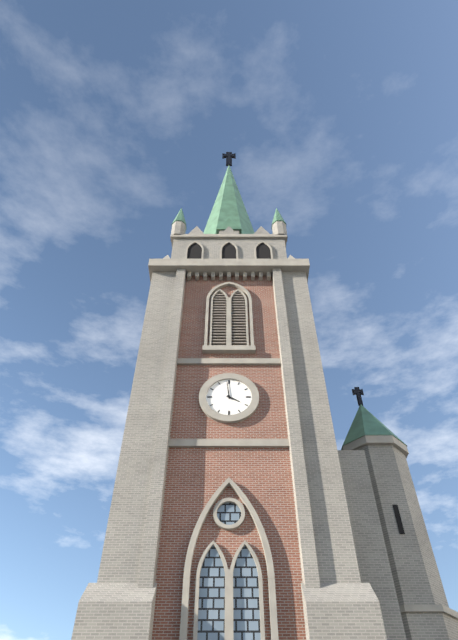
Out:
3,59
